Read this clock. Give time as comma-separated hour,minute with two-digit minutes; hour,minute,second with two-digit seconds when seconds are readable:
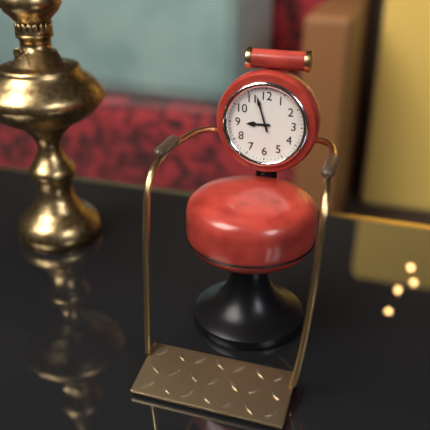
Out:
8,57
